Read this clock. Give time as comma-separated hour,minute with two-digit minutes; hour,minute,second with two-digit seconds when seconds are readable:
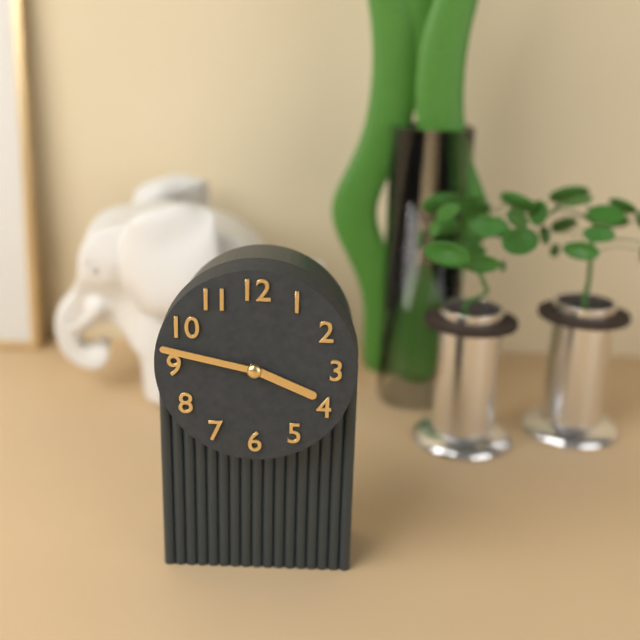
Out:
3,47
